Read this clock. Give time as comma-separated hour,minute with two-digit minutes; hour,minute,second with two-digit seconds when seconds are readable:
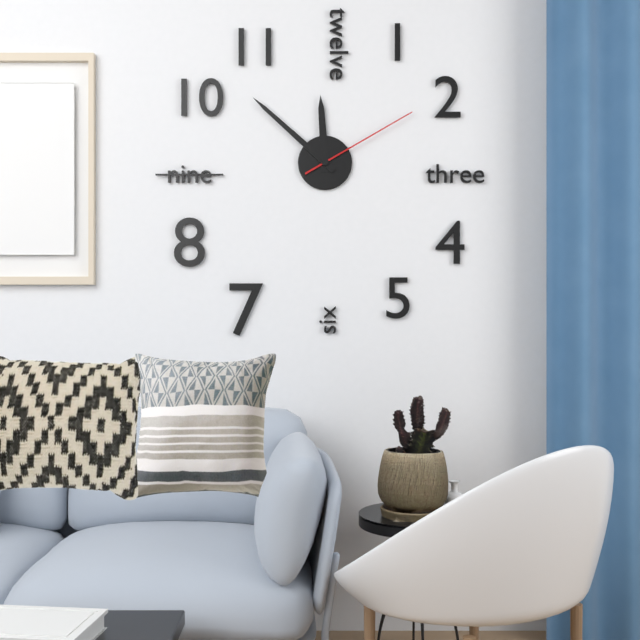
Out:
11,52,10
